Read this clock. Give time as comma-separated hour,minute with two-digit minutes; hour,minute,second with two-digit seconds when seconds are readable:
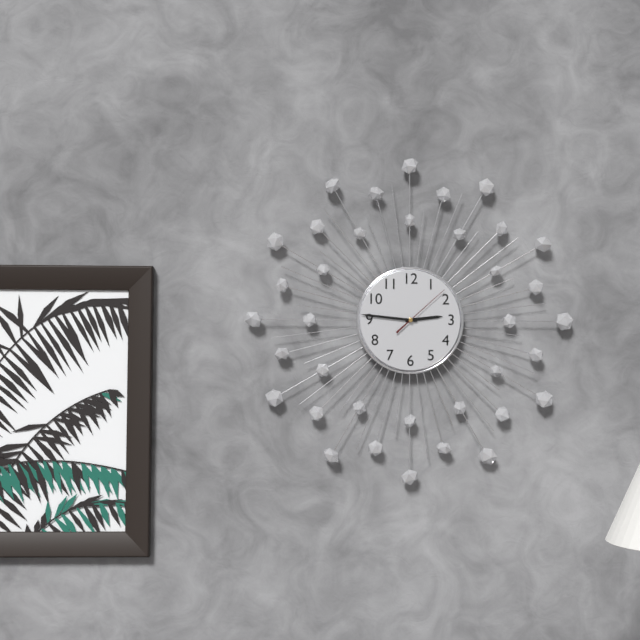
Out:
2,46,08
